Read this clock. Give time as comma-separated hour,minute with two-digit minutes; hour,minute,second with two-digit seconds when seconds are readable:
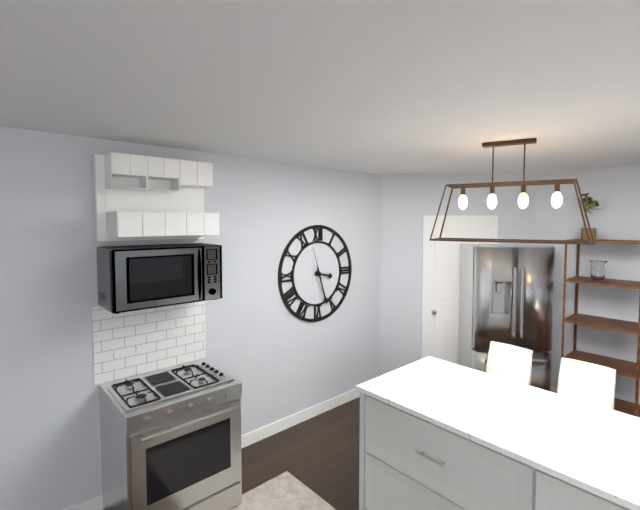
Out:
3,27
